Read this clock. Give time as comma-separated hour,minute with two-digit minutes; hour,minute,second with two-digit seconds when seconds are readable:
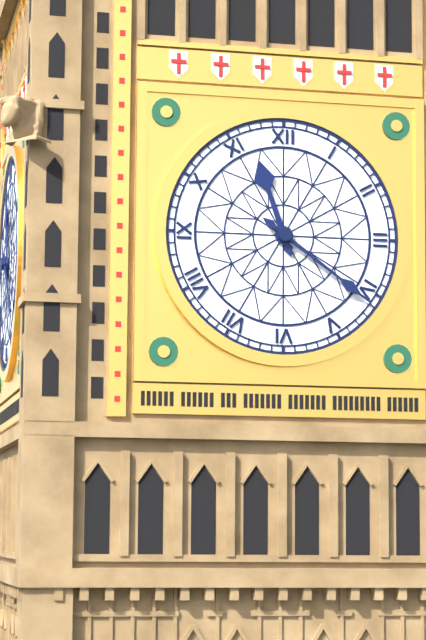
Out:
11,21
